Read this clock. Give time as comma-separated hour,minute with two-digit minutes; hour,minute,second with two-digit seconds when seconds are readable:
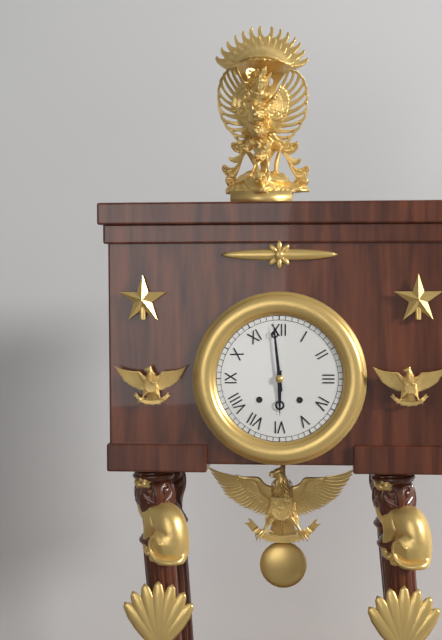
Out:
5,59
